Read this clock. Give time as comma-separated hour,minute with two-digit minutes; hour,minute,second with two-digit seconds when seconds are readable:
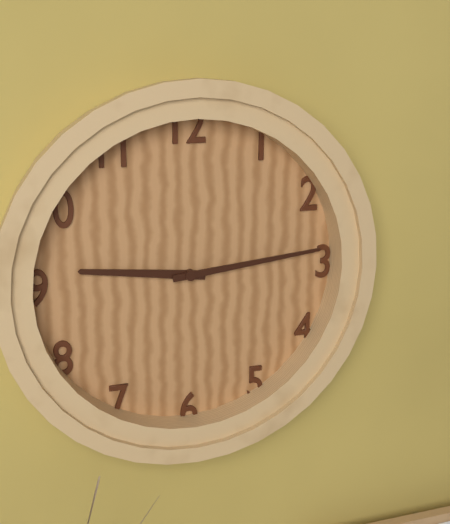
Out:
9,14
